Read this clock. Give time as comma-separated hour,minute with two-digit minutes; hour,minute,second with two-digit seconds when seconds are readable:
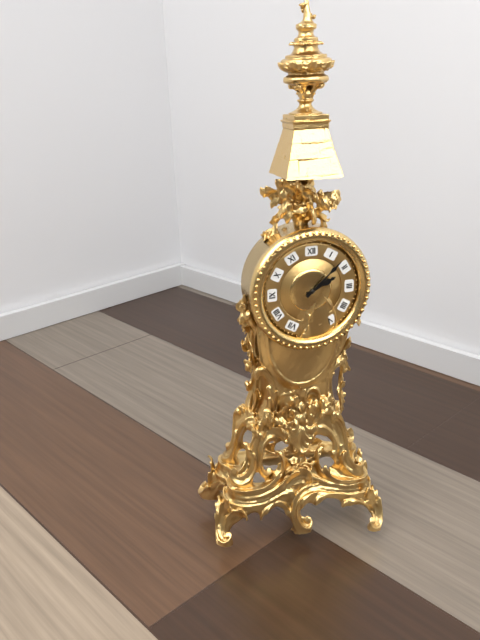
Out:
2,08
